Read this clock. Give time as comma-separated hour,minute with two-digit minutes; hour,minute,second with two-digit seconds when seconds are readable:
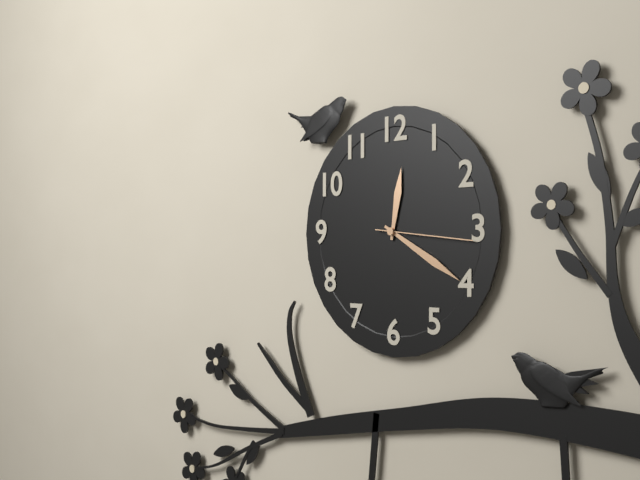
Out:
12,20,16
